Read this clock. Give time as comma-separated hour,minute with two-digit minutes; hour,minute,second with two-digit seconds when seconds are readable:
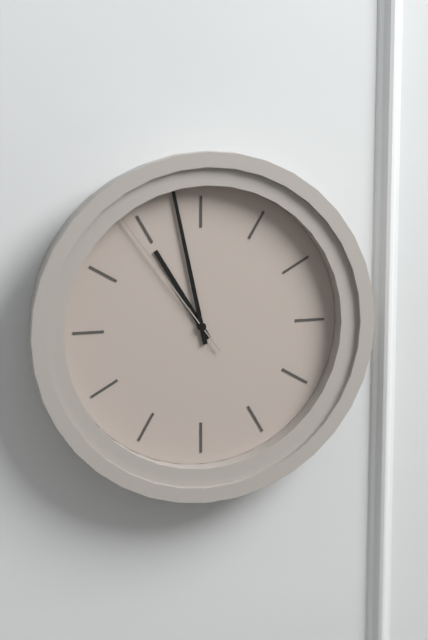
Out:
10,58,54
